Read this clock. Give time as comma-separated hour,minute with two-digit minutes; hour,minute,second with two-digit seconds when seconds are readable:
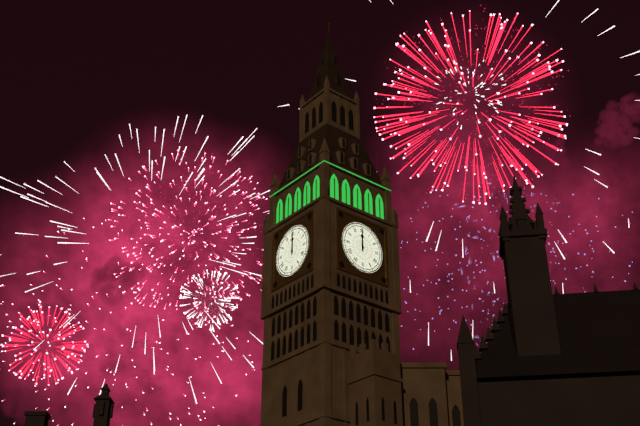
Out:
12,00
